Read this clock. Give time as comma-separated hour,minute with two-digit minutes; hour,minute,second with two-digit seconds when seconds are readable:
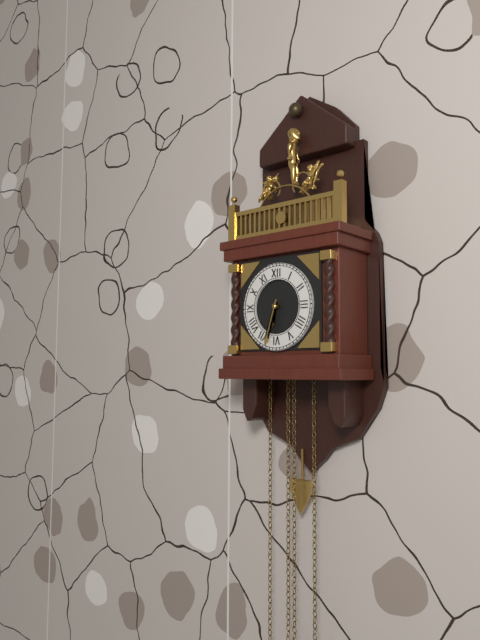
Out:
6,33
